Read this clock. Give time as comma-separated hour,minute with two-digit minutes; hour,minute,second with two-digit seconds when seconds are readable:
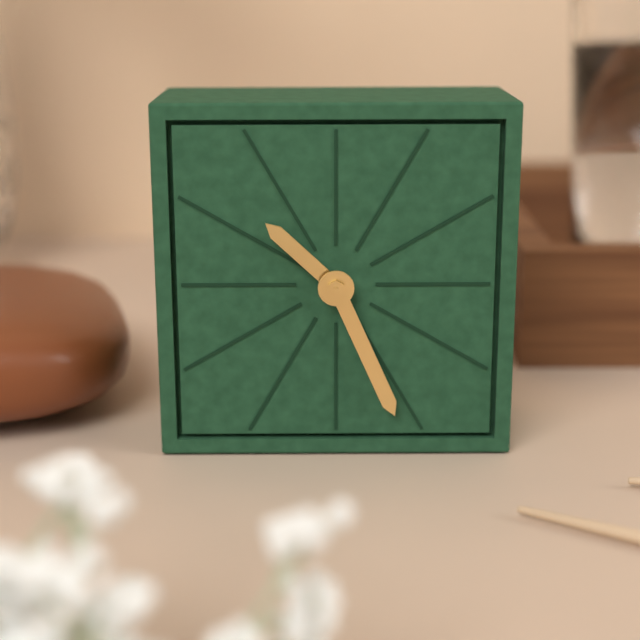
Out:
10,26
